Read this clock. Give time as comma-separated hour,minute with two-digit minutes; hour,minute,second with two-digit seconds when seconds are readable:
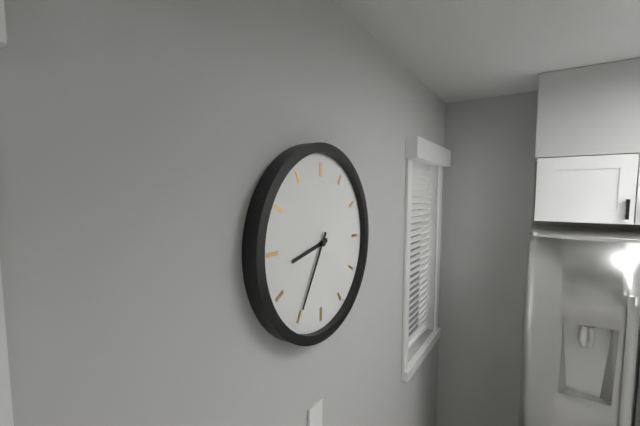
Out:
8,35
